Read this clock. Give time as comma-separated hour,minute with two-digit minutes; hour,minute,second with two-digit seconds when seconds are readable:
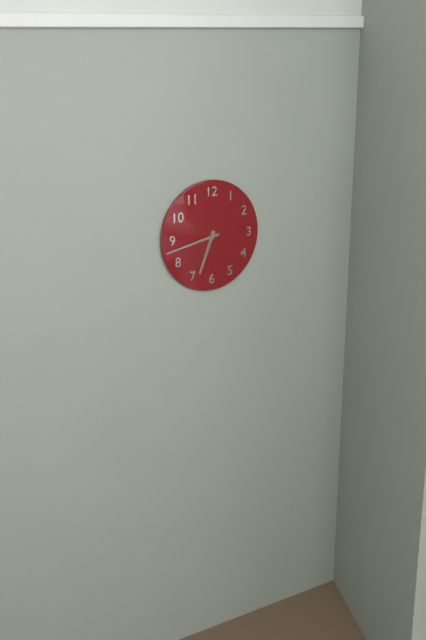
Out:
6,43
